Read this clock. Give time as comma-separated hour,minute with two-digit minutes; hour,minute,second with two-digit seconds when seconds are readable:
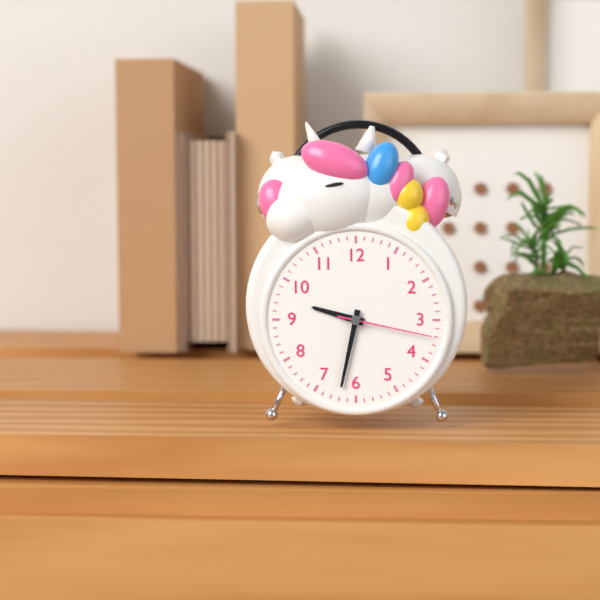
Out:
9,32,17
